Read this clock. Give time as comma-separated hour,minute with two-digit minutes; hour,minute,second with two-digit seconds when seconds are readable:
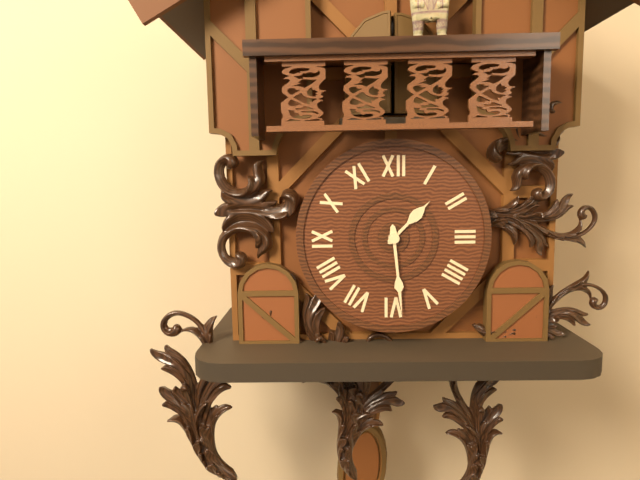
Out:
1,29
